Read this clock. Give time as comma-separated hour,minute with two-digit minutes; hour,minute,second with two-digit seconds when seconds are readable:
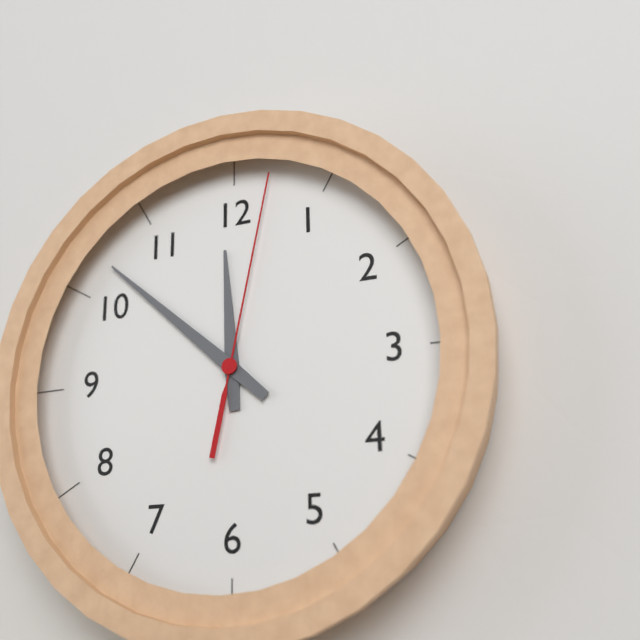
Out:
11,52,02
